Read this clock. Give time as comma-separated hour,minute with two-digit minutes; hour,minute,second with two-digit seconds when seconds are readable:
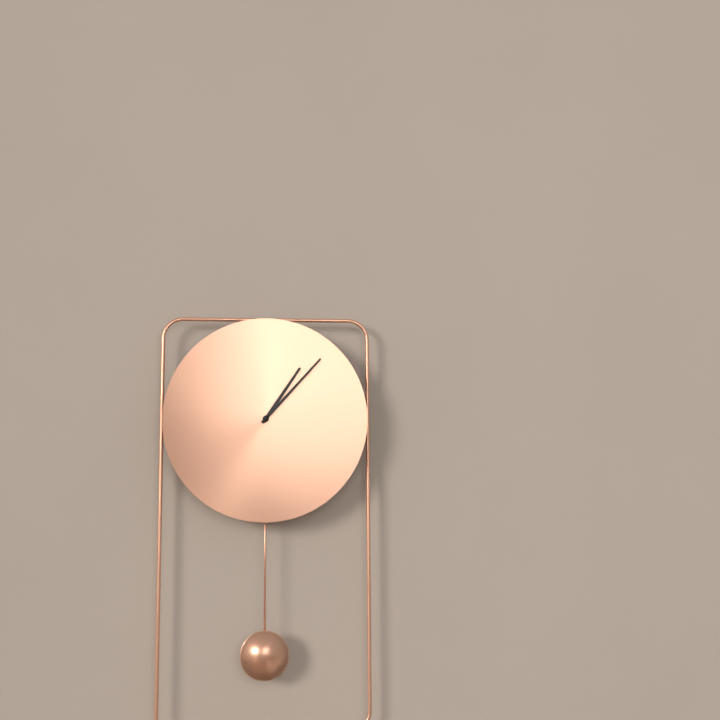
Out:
1,07
